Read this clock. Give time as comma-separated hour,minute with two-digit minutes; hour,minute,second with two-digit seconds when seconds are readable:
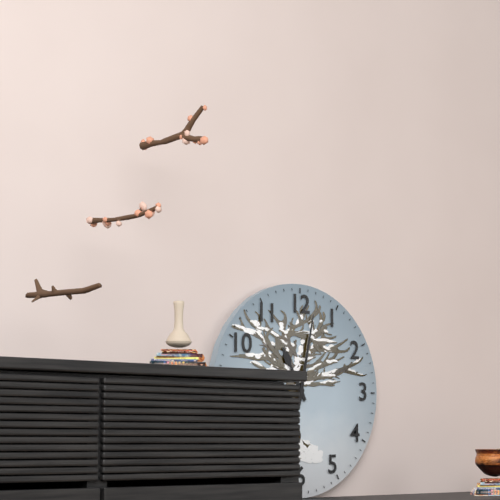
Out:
11,02
